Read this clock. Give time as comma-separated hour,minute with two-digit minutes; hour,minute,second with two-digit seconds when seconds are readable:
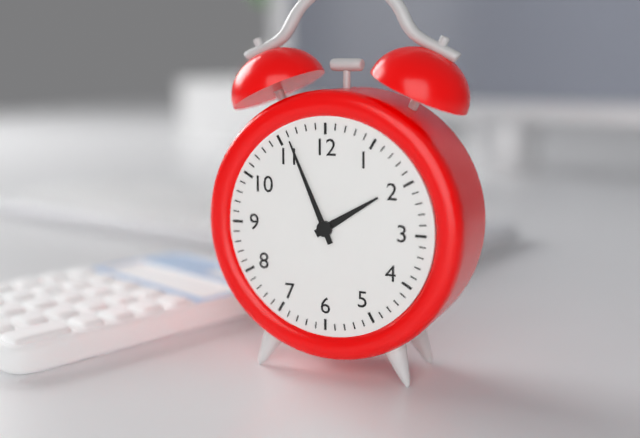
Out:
1,56
